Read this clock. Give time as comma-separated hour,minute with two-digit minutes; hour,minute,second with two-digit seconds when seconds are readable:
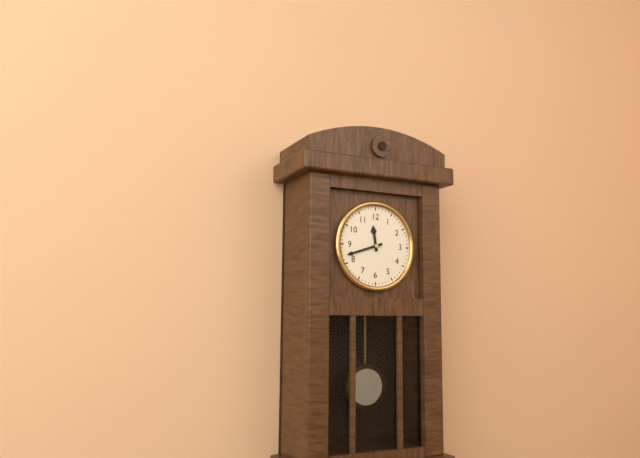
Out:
11,42
